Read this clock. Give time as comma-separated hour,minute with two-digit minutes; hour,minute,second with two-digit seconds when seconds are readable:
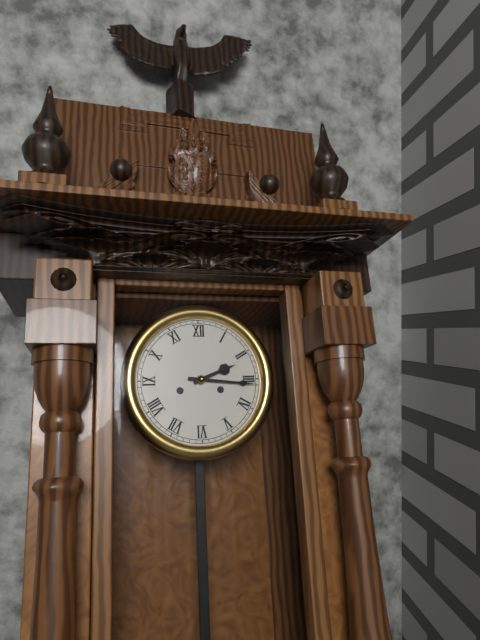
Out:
2,16
